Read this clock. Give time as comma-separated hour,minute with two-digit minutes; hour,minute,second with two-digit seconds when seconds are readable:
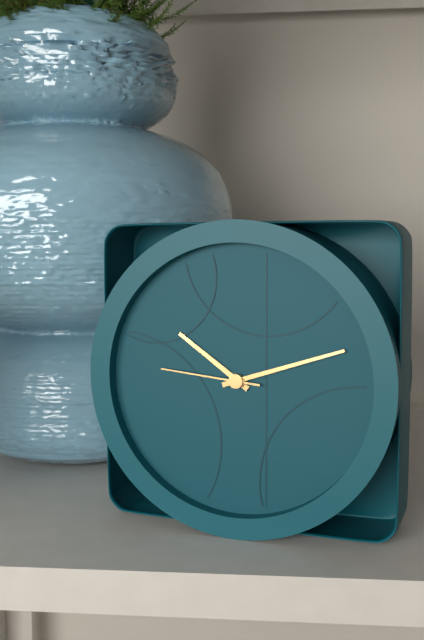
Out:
10,12,46
